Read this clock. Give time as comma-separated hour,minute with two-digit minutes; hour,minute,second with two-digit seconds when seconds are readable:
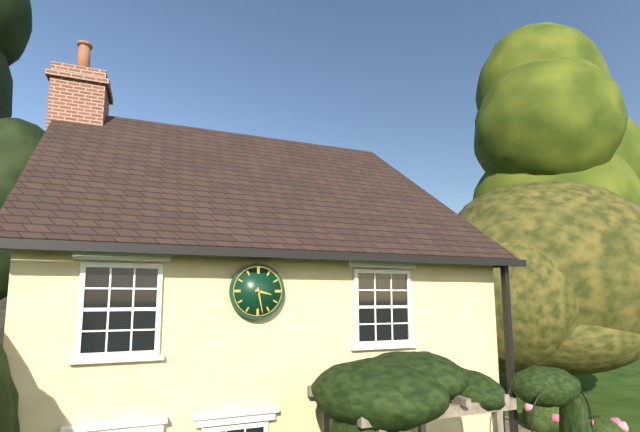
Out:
3,28
